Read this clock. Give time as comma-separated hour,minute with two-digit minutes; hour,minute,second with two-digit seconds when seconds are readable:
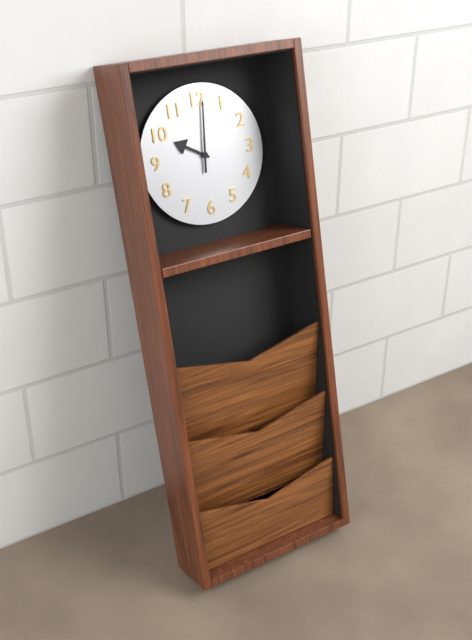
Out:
10,01
